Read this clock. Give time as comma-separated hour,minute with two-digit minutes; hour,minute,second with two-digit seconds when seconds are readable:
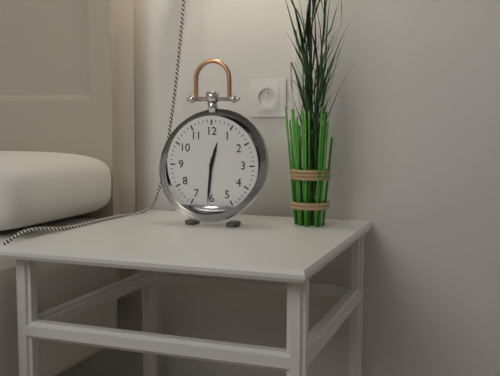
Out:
12,31
